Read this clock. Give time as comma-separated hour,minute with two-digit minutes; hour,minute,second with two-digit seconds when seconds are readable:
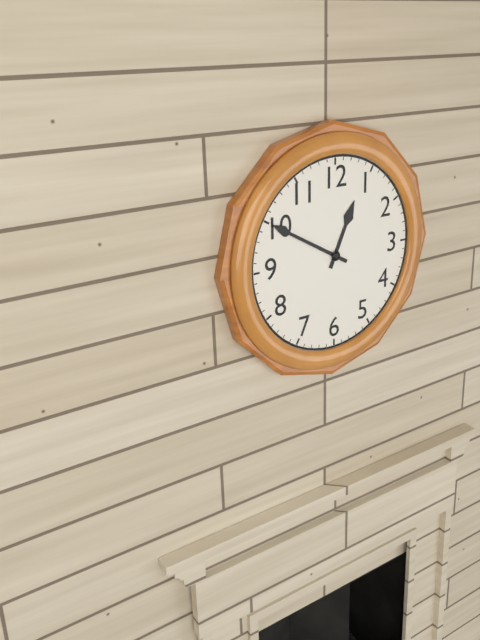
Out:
12,50
